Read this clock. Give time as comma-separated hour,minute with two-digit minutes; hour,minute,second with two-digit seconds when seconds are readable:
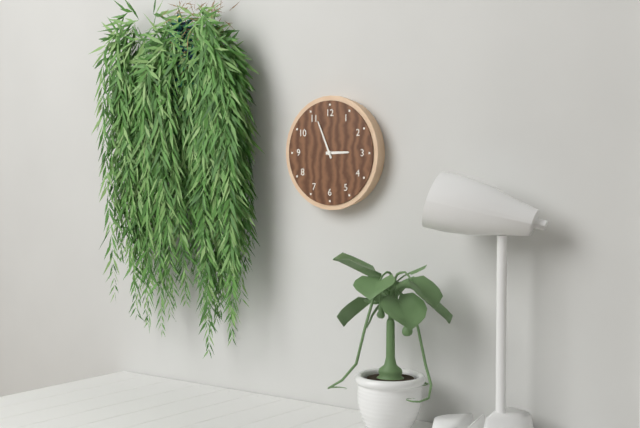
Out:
2,56
